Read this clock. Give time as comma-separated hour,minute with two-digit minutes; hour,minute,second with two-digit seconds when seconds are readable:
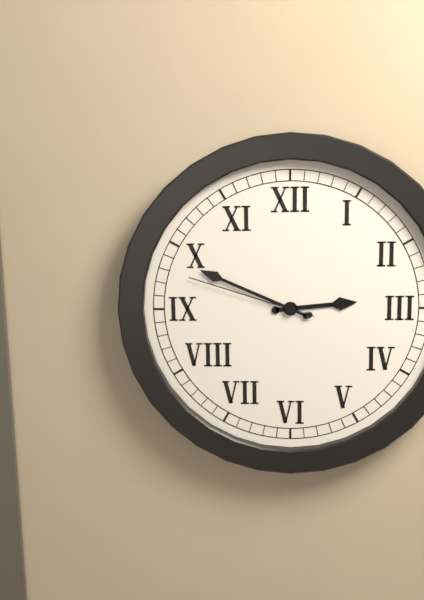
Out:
2,49,48
